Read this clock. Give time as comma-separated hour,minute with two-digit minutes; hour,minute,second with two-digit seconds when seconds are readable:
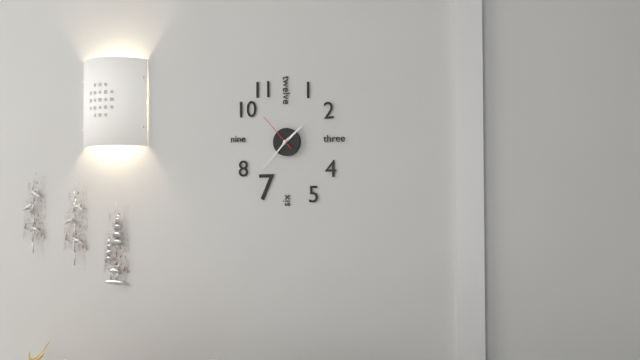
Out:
1,37
